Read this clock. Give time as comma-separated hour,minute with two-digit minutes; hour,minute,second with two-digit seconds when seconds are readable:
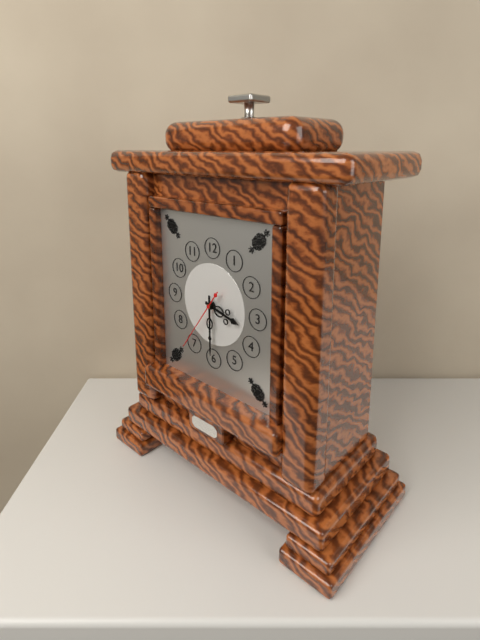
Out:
3,30,36
